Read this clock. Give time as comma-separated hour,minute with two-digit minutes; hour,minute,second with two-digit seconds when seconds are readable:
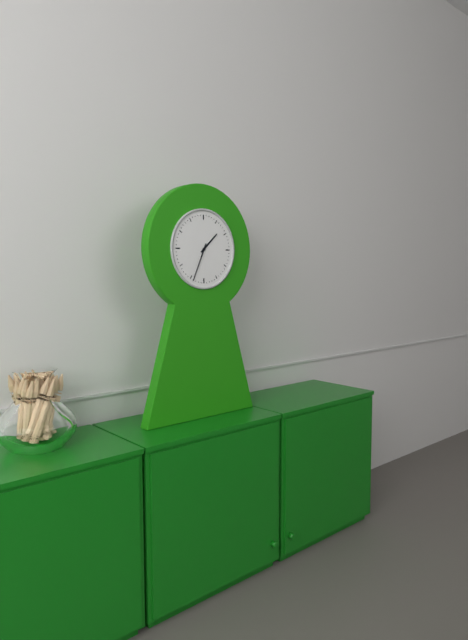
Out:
1,34
